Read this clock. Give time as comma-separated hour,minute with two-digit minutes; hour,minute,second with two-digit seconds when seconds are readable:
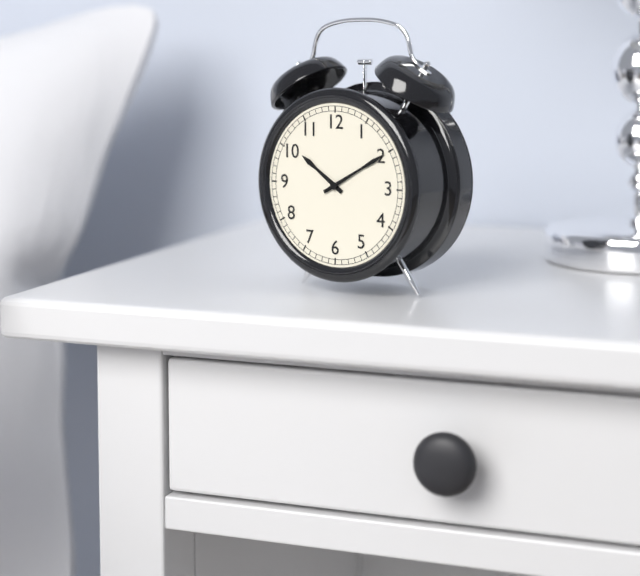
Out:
10,10
